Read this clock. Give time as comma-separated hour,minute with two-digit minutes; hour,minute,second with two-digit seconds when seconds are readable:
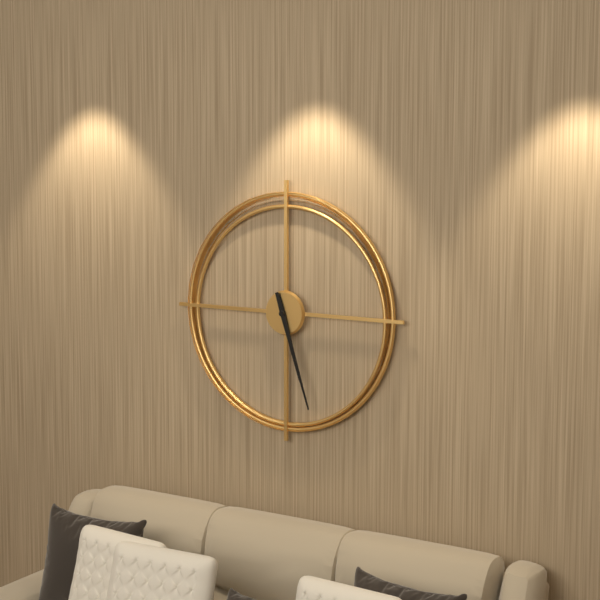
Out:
5,27
